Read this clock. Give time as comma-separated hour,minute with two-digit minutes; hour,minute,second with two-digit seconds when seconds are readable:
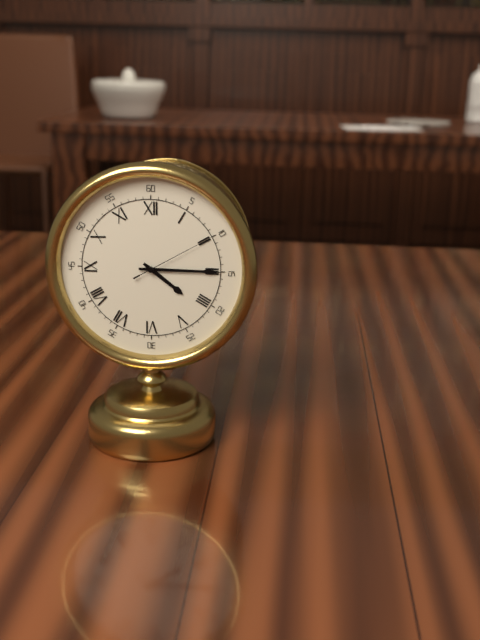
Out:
4,15,10
